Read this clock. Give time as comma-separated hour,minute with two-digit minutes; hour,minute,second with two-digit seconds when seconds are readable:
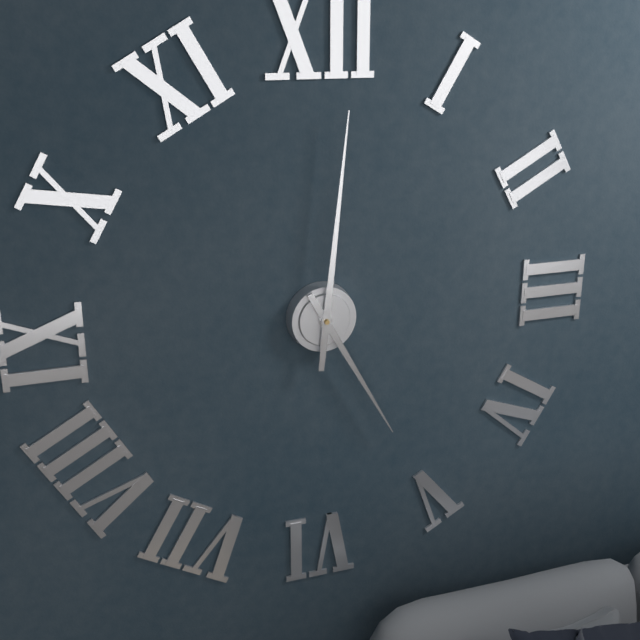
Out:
5,01
